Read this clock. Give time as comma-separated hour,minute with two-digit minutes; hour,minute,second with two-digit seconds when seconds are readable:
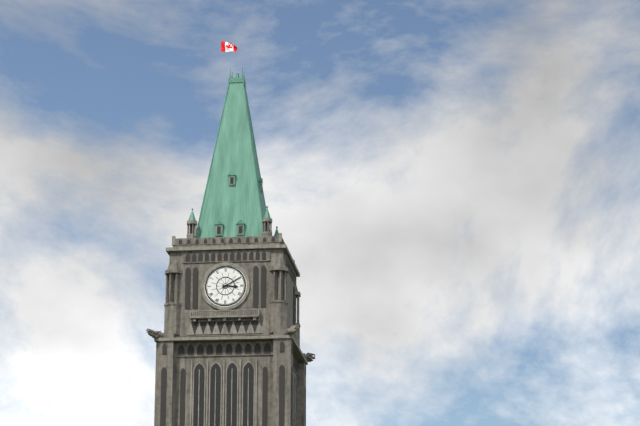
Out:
3,10
